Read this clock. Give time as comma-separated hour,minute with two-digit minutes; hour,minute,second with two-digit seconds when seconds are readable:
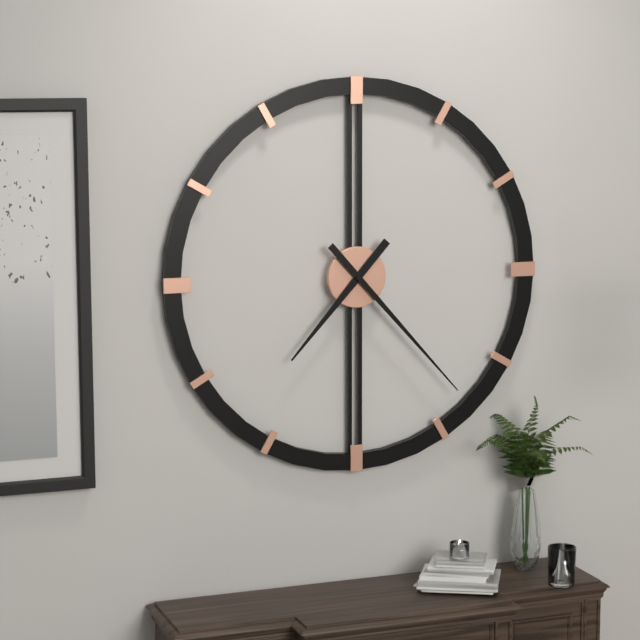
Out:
7,23
